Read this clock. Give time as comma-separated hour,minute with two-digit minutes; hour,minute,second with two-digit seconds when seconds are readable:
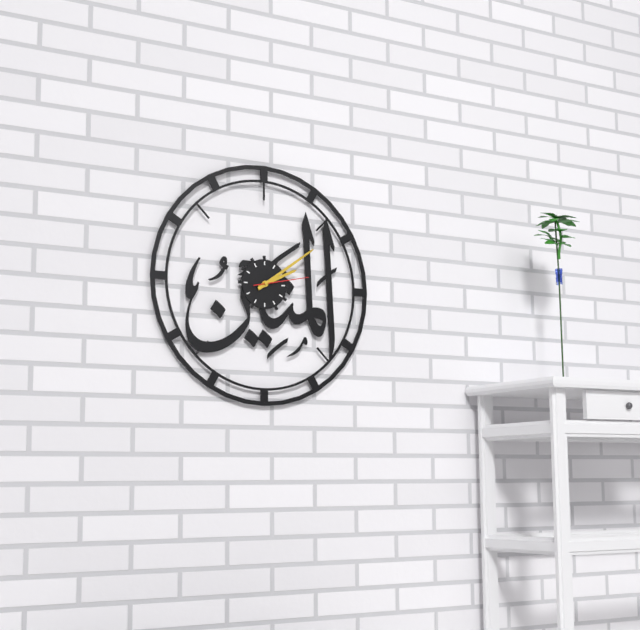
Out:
2,09,13
